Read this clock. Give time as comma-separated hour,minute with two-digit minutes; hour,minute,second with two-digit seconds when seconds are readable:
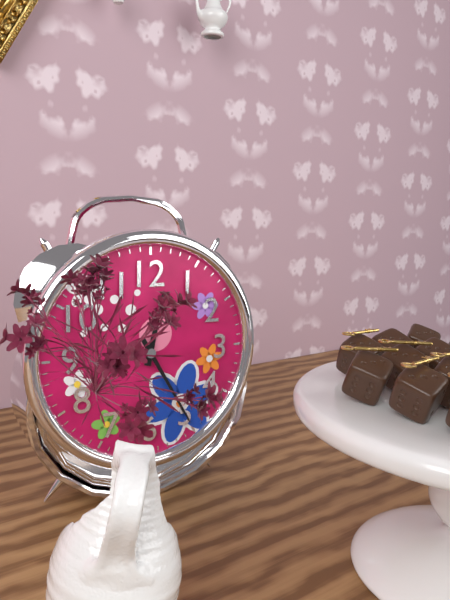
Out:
12,25
